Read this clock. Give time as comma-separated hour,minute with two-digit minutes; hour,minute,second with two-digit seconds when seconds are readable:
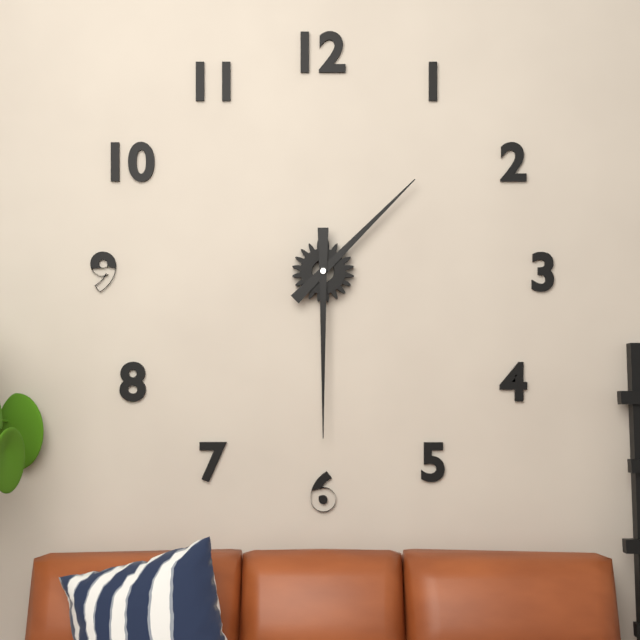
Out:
1,30
